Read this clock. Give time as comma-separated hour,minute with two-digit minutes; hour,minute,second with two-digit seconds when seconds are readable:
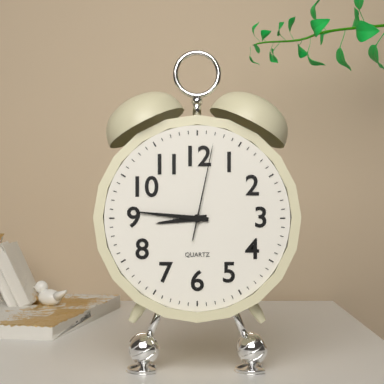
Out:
8,46,02
